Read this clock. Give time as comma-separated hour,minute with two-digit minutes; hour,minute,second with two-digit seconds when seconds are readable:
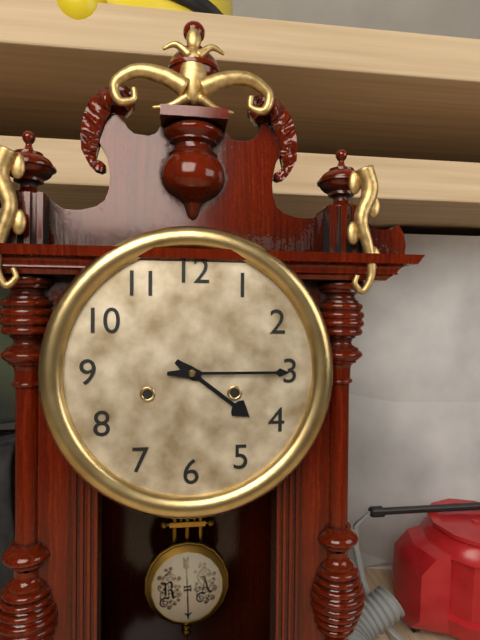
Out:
4,15
